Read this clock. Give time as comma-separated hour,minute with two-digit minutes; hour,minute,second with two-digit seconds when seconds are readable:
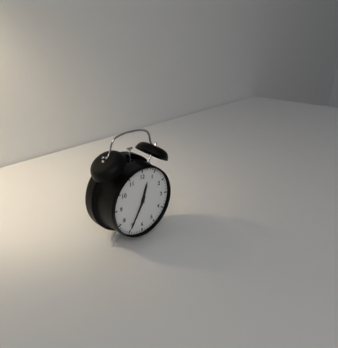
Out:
12,35
